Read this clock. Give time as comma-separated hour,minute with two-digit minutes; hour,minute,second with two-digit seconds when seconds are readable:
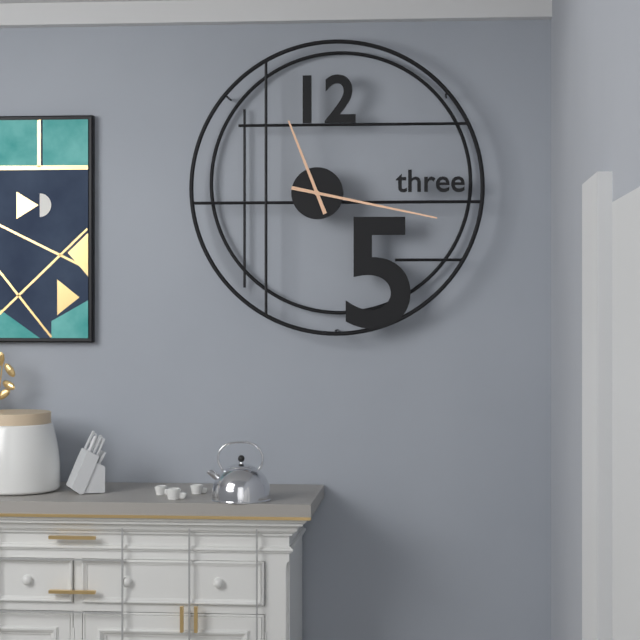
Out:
11,17
